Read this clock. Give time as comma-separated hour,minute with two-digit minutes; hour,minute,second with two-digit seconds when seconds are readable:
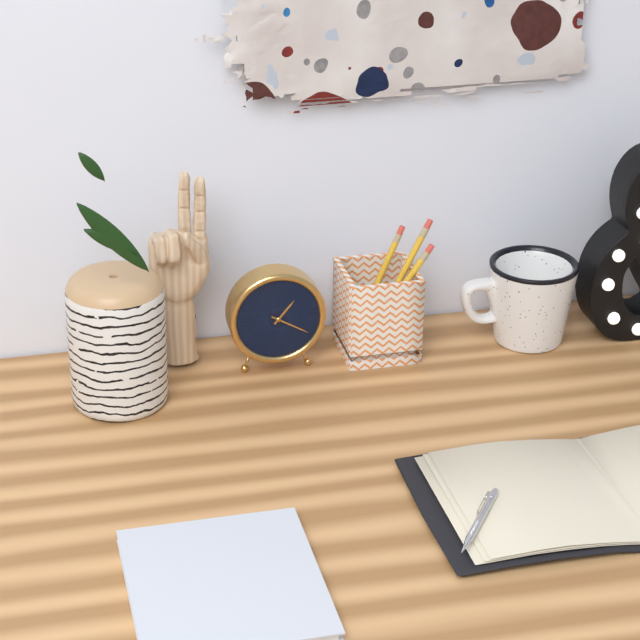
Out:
1,20
